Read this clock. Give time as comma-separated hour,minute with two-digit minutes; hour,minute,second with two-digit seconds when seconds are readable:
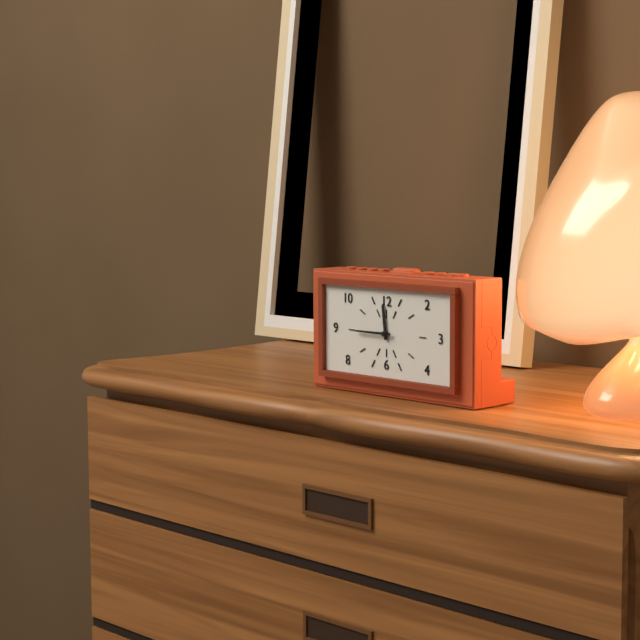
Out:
11,45
